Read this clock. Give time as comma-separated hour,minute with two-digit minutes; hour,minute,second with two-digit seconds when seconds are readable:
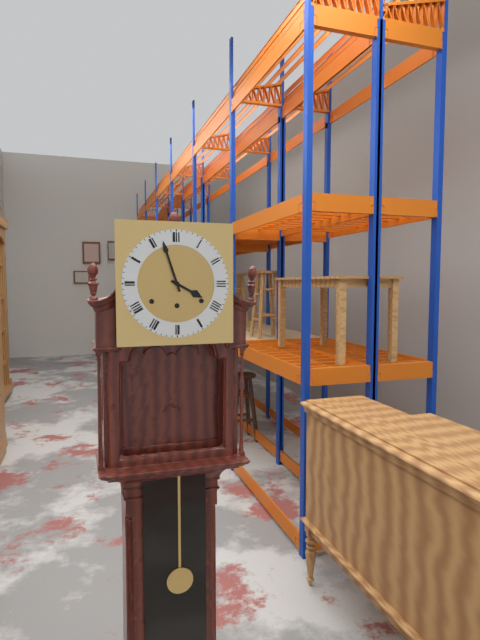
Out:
3,57
